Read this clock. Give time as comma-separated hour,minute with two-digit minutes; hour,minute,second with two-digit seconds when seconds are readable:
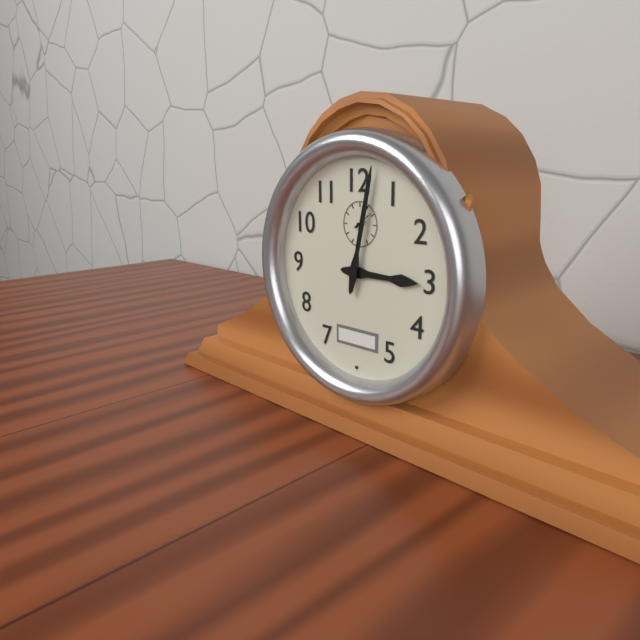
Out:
3,02
